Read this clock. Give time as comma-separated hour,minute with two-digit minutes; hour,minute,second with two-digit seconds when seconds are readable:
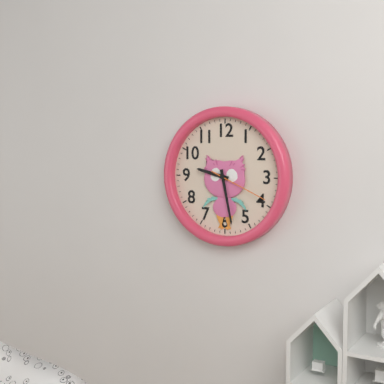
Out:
9,28,19
